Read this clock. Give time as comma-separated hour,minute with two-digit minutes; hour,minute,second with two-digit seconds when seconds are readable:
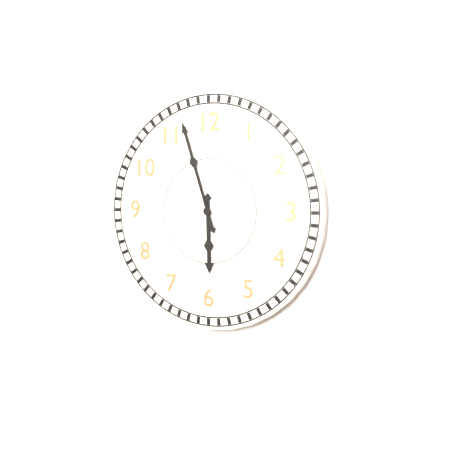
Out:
5,57
